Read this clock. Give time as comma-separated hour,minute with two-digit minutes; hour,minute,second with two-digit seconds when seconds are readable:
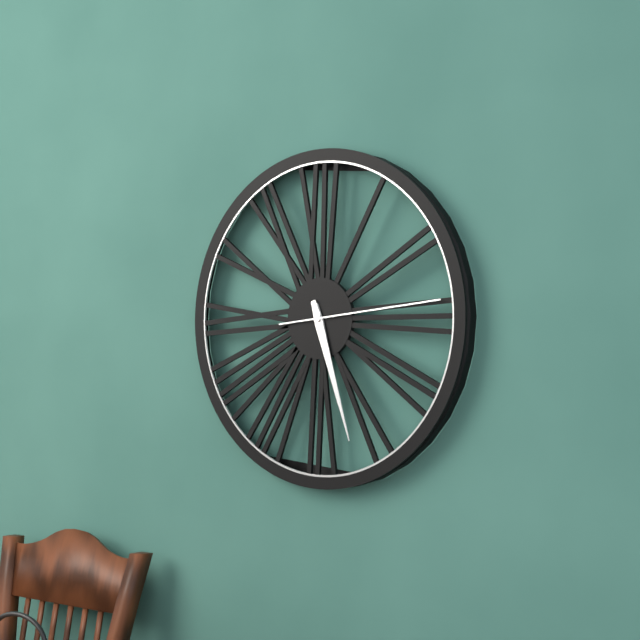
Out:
5,27,14
